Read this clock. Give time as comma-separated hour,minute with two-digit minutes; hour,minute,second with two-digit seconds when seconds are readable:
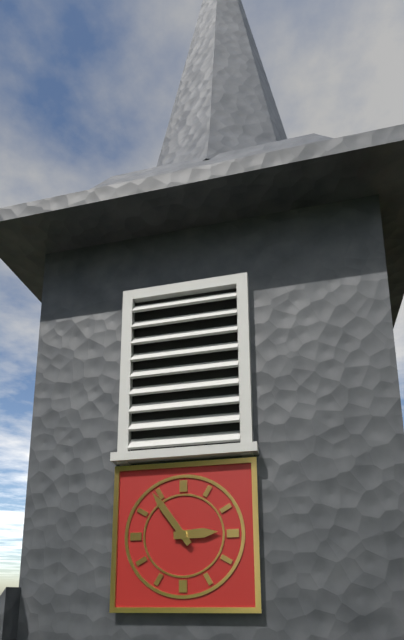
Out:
2,54
